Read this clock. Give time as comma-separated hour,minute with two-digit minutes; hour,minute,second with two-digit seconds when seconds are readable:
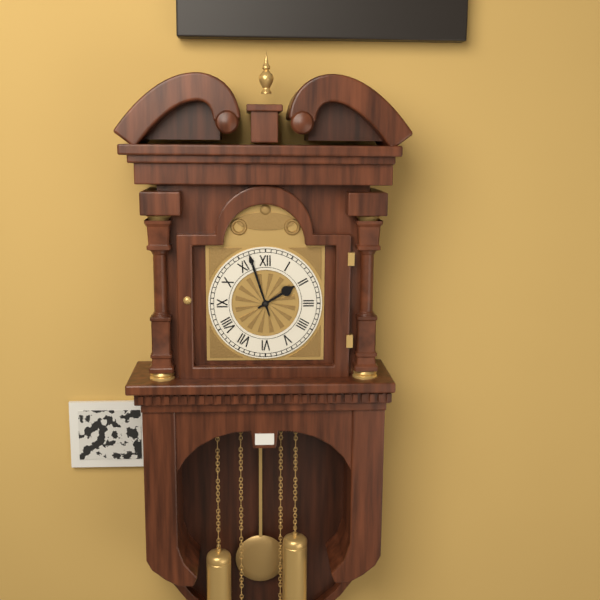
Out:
1,57
